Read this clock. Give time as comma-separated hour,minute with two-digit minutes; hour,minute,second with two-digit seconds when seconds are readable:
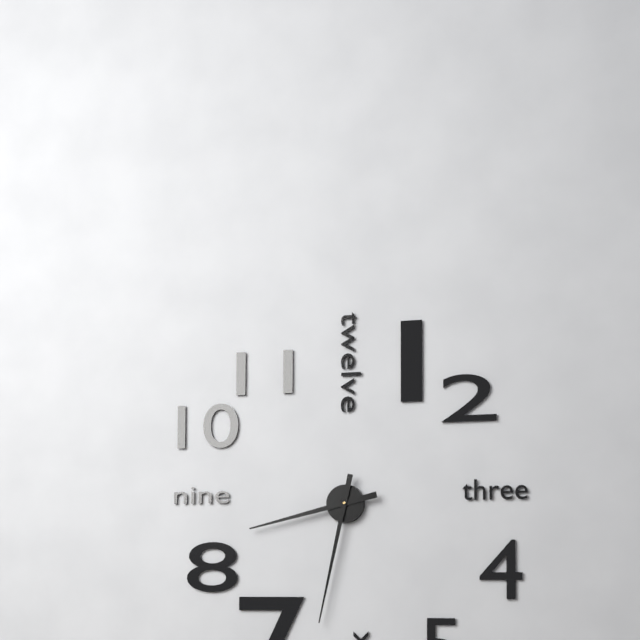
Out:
8,32
